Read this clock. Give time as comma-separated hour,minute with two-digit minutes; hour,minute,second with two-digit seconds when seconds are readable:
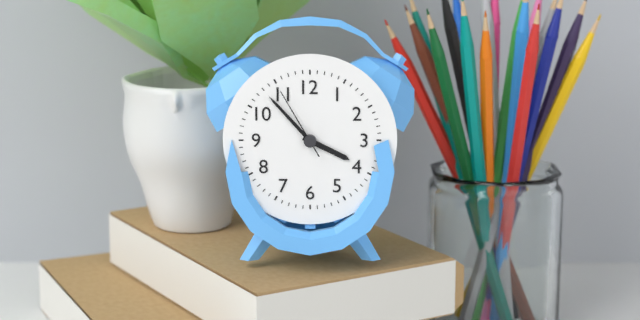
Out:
3,53,55
